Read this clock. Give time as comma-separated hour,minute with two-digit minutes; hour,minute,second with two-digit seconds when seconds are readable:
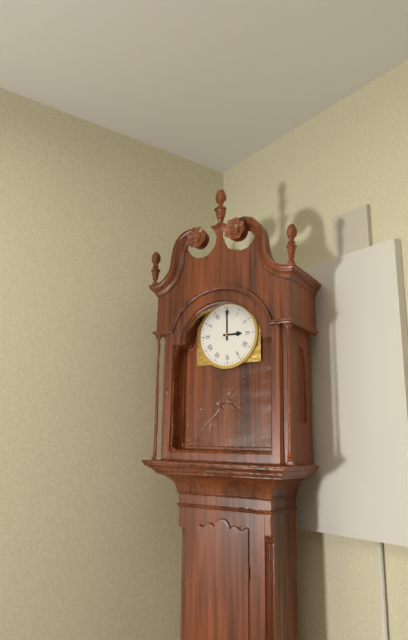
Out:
3,00
